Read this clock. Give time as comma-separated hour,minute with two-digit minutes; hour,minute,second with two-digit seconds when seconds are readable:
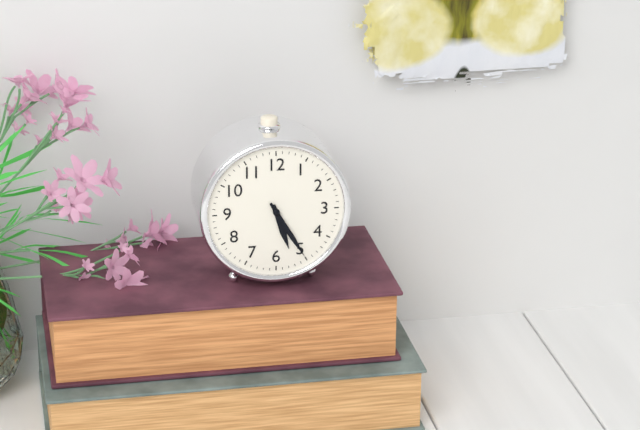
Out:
5,25
